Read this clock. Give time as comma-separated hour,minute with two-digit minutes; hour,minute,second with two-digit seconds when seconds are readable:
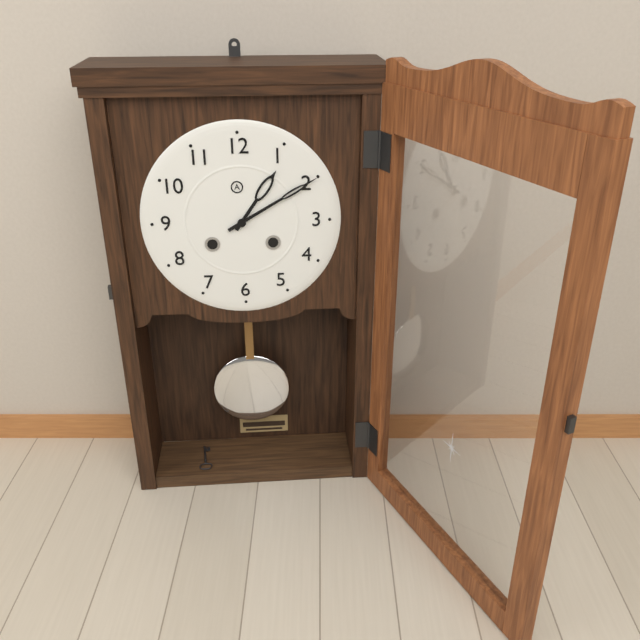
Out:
1,10
